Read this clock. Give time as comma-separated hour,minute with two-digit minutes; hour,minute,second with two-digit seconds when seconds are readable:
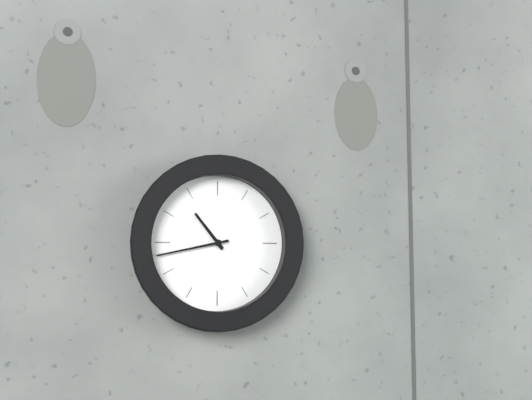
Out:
10,43
